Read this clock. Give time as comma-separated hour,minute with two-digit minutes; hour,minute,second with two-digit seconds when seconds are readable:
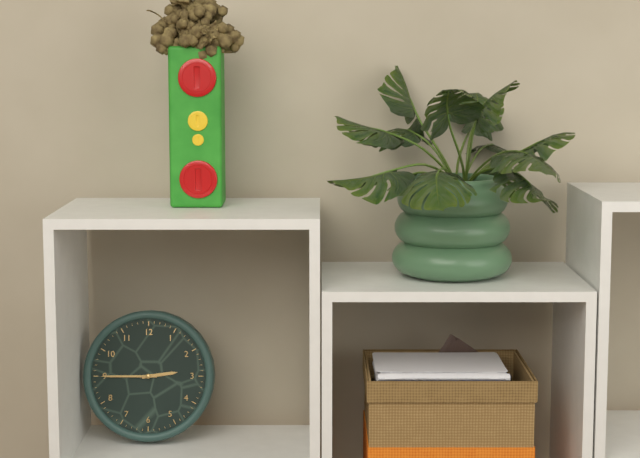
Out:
2,45
